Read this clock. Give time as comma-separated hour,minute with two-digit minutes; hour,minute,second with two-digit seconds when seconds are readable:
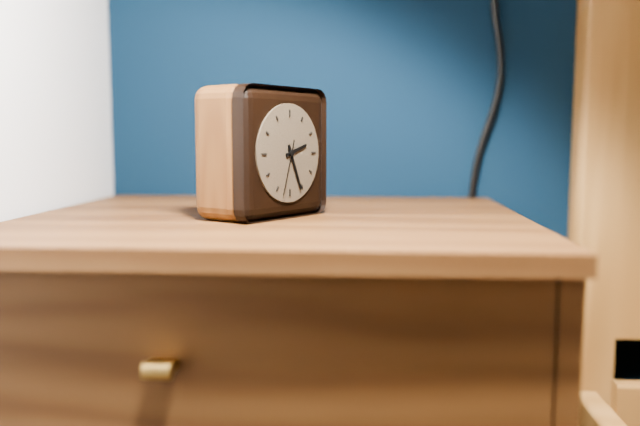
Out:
2,26,33
